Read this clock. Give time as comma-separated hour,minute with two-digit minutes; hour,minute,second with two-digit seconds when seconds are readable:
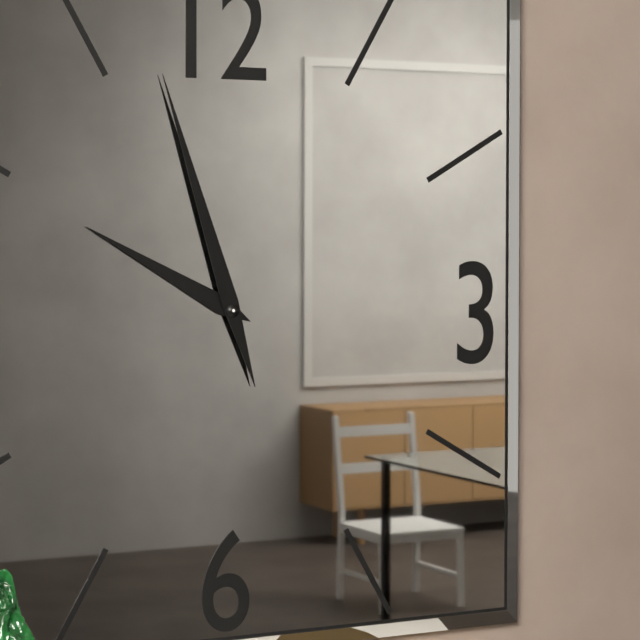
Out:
9,57
